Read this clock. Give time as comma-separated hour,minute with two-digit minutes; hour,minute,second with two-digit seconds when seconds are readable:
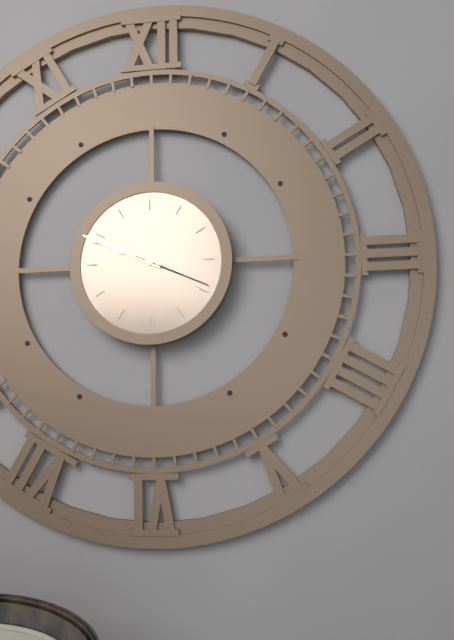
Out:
9,49,19
